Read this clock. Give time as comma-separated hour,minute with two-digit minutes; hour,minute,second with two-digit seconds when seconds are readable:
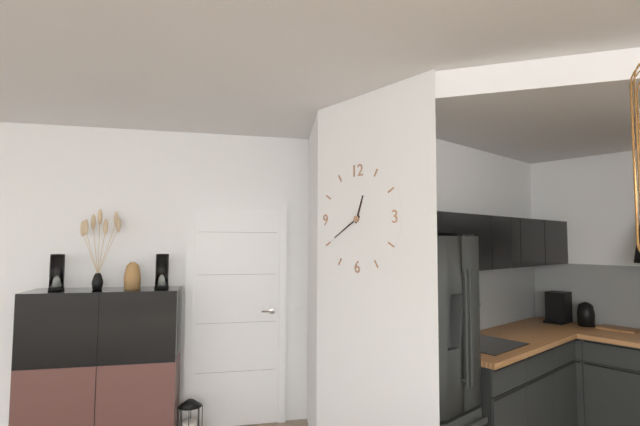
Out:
12,40
